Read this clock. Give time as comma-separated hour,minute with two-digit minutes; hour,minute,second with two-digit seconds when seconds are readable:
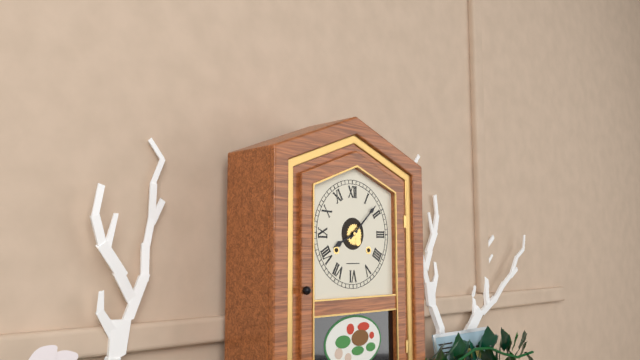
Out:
8,08
